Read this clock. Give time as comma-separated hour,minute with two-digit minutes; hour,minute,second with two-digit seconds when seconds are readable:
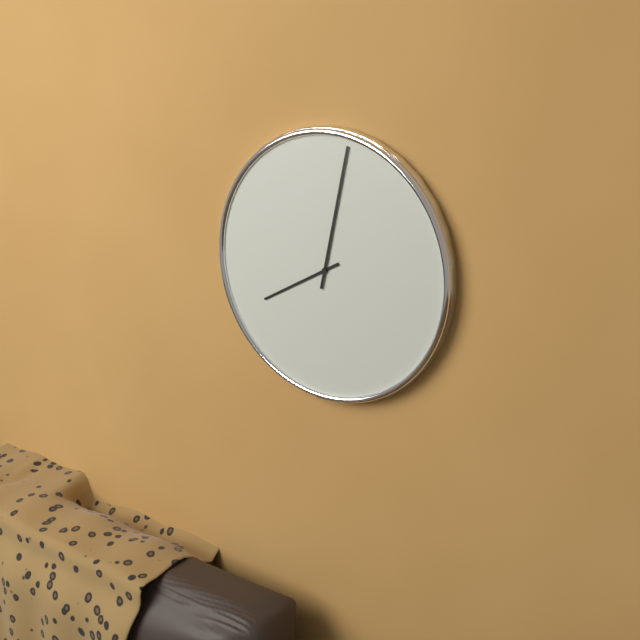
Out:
8,02
